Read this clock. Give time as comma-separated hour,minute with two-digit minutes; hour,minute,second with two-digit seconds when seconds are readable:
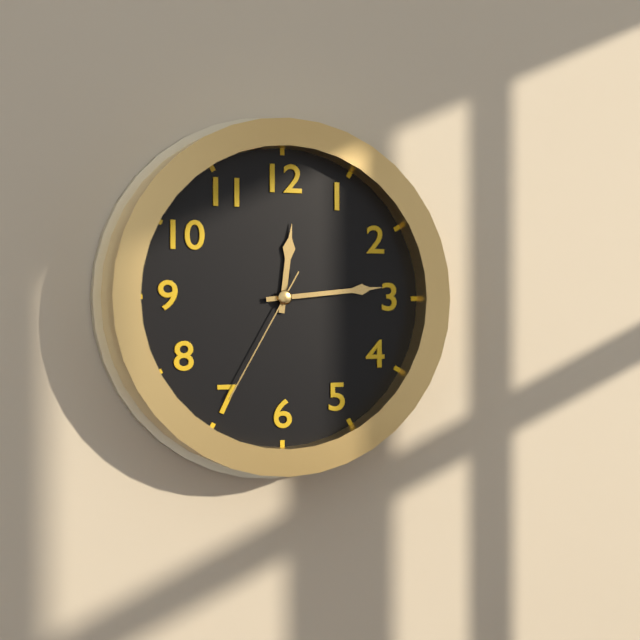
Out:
12,14,35
